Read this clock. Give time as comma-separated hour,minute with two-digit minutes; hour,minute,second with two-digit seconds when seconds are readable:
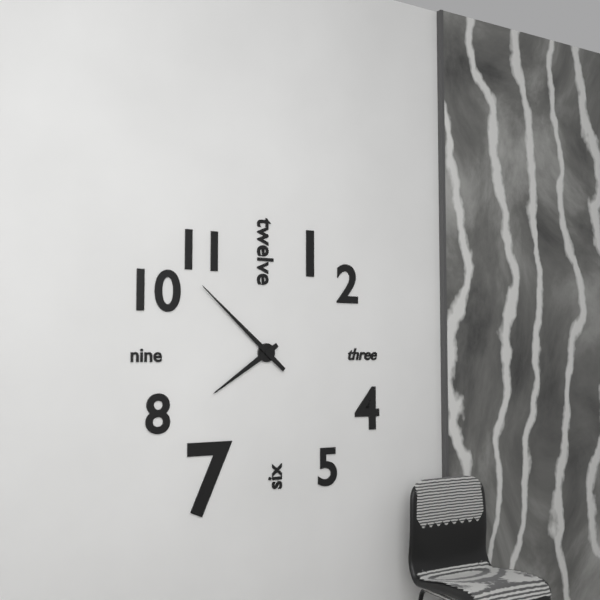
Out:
7,52
